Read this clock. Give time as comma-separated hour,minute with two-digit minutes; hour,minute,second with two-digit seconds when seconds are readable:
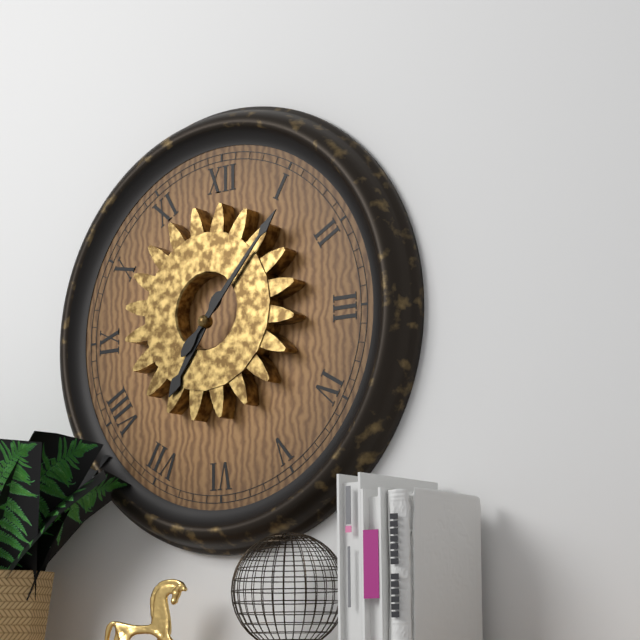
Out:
7,07
